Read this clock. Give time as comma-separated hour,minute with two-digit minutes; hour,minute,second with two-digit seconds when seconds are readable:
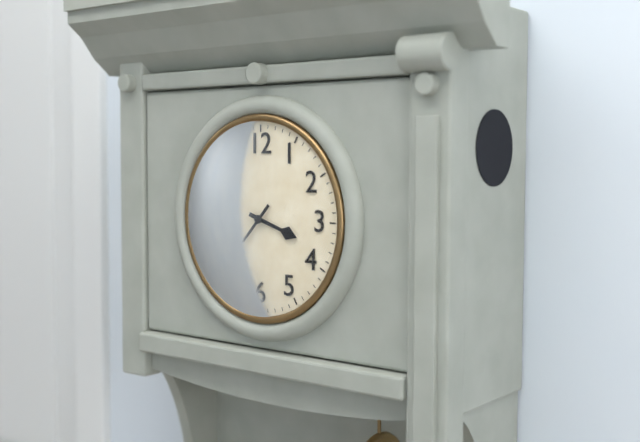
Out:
3,37
